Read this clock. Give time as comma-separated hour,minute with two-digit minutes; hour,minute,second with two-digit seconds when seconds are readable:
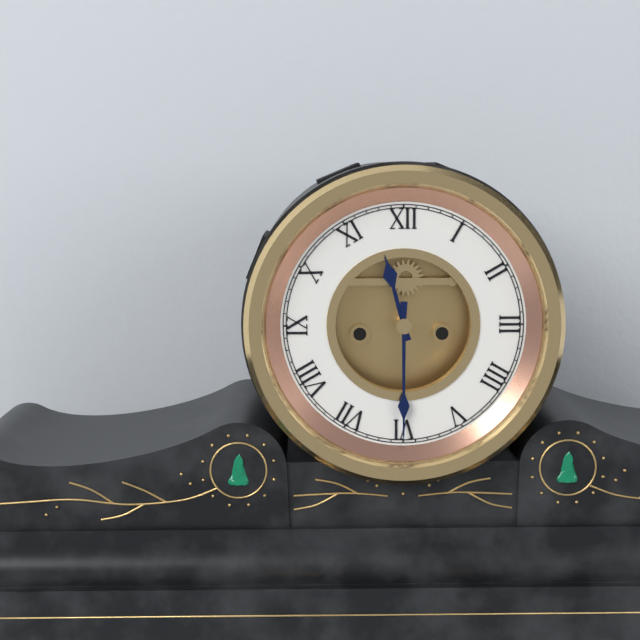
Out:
11,30
